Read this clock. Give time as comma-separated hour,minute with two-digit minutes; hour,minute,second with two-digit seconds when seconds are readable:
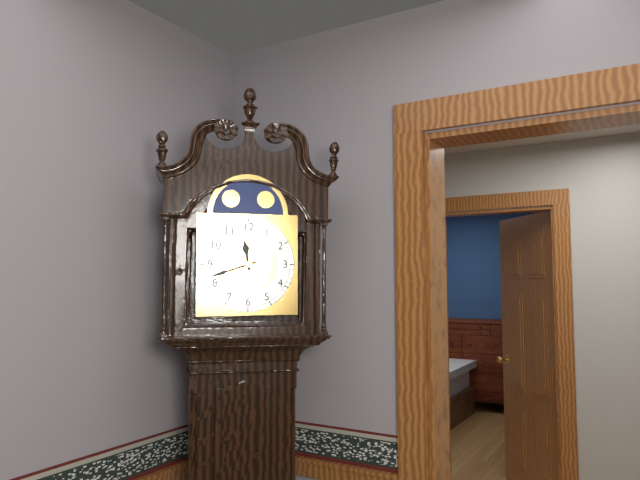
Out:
11,42
